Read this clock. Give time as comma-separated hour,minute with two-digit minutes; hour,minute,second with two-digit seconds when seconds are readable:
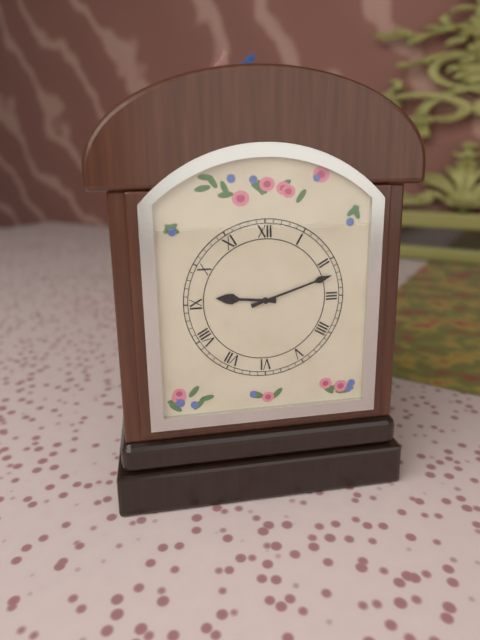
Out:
9,12
